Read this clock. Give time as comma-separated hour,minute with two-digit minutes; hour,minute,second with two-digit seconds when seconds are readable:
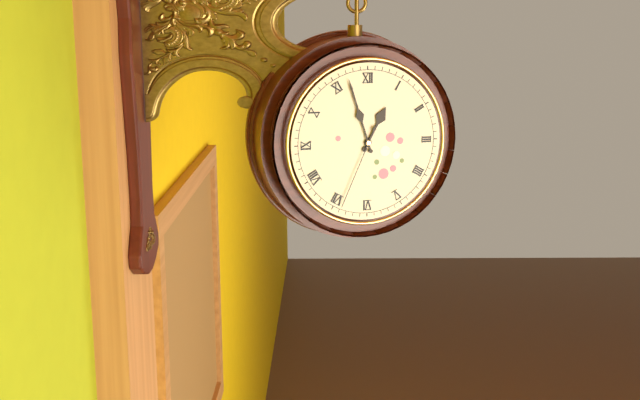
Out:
12,57,34
